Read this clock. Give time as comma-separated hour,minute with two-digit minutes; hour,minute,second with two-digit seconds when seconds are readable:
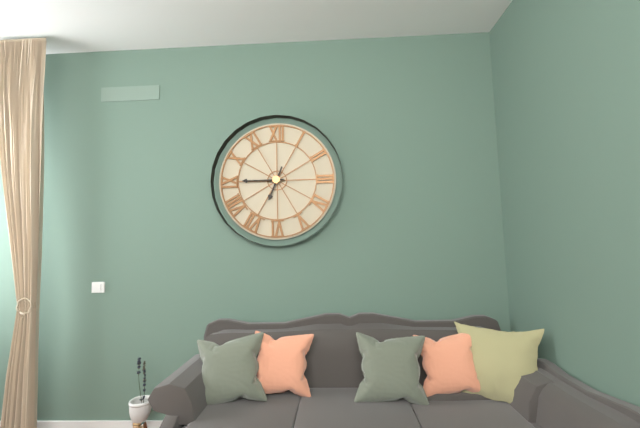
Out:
6,45
